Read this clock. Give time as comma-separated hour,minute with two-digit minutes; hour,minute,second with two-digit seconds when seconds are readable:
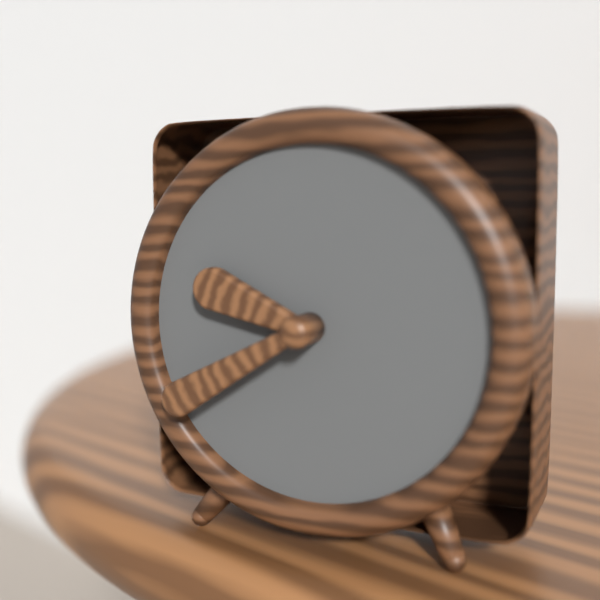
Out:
9,40
